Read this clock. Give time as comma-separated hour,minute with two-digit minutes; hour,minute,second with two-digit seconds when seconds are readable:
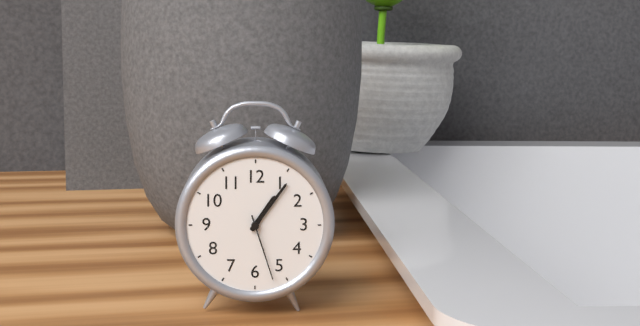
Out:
1,06,27
